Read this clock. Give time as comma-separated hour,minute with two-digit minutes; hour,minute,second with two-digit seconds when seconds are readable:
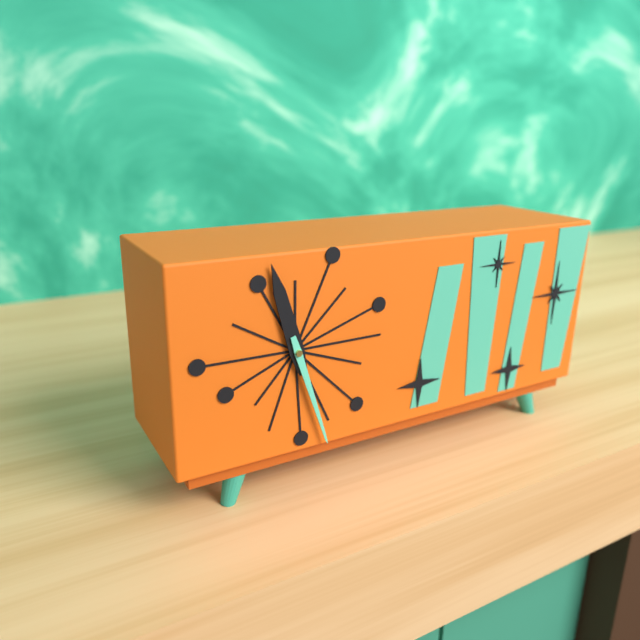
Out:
11,27
